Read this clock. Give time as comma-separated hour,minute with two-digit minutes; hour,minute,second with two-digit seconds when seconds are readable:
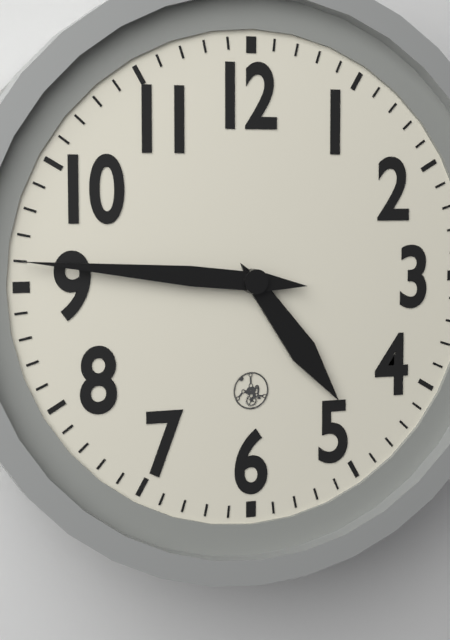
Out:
4,46
